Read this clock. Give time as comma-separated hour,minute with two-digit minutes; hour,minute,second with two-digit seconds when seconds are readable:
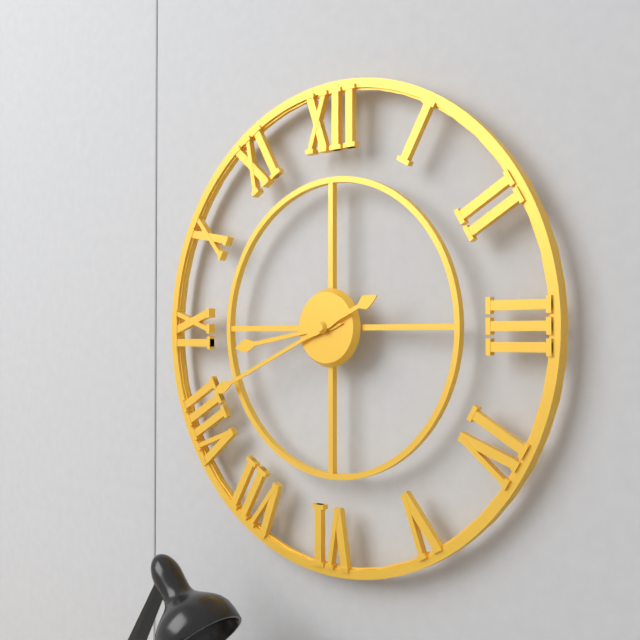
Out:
8,41
